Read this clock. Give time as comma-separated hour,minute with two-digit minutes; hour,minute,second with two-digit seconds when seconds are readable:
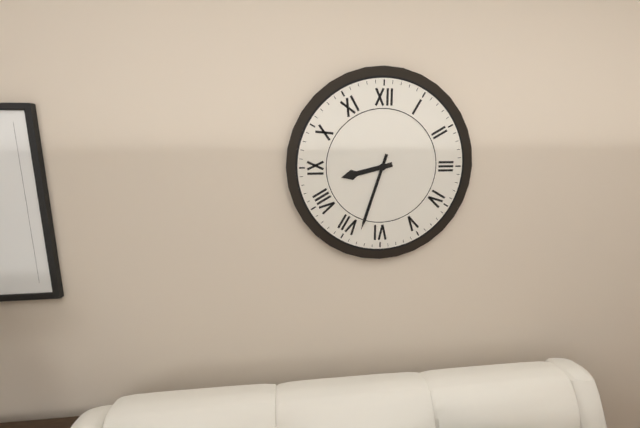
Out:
8,33
